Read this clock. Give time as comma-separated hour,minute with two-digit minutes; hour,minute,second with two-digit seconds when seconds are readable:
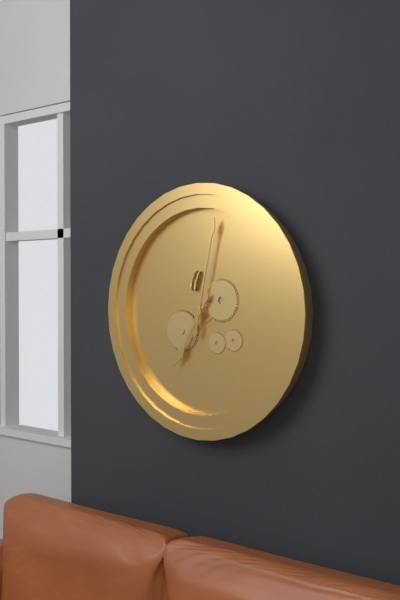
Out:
7,02
